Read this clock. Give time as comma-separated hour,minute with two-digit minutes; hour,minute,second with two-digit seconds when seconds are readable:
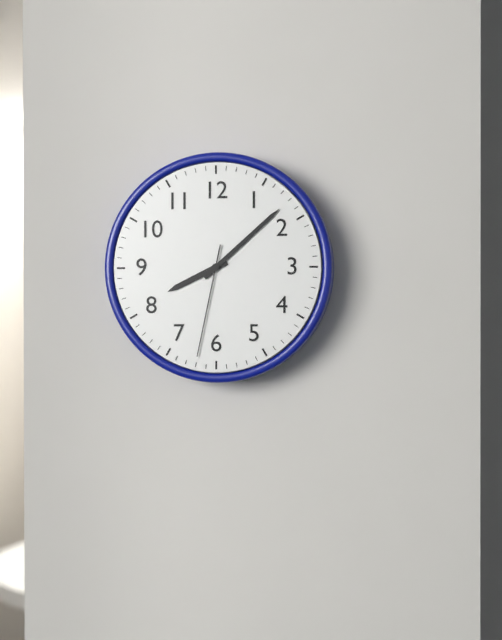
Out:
8,08,32
